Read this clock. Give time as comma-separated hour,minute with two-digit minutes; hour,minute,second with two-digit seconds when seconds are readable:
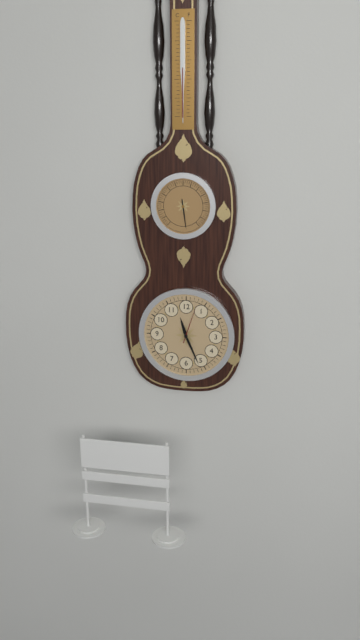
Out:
11,26
